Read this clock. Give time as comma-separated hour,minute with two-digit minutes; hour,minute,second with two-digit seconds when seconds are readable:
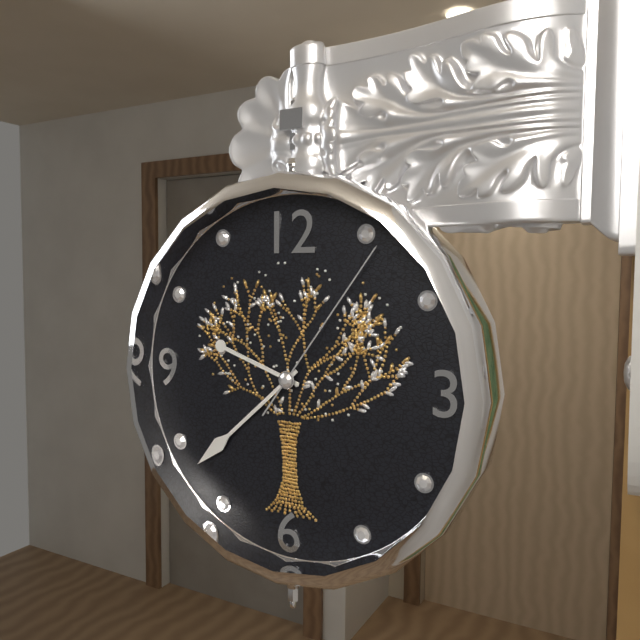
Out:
9,38,06
